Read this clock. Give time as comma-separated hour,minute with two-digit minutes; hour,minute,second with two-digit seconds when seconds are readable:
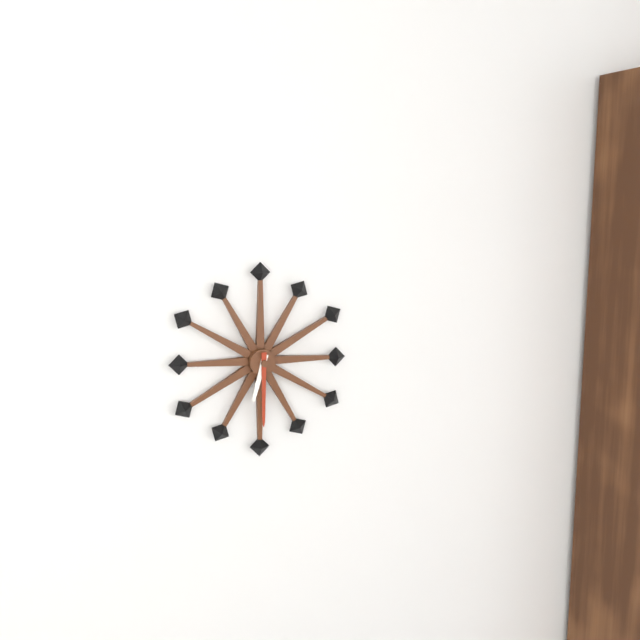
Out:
6,30
